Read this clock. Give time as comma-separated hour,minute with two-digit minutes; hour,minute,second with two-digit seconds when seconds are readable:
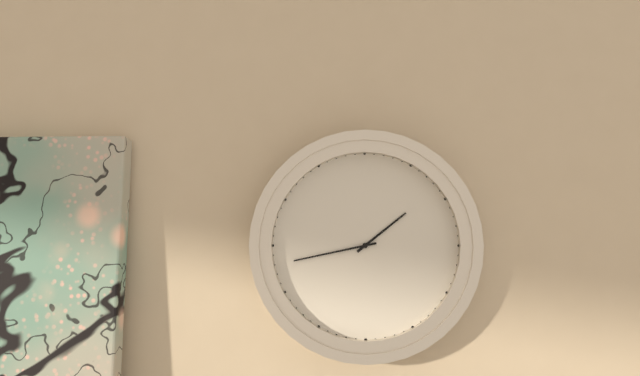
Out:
1,43
